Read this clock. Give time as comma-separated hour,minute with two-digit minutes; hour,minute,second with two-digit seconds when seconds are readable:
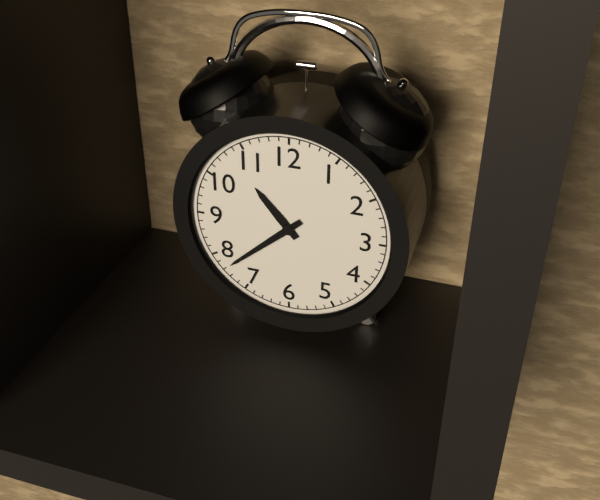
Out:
10,38
